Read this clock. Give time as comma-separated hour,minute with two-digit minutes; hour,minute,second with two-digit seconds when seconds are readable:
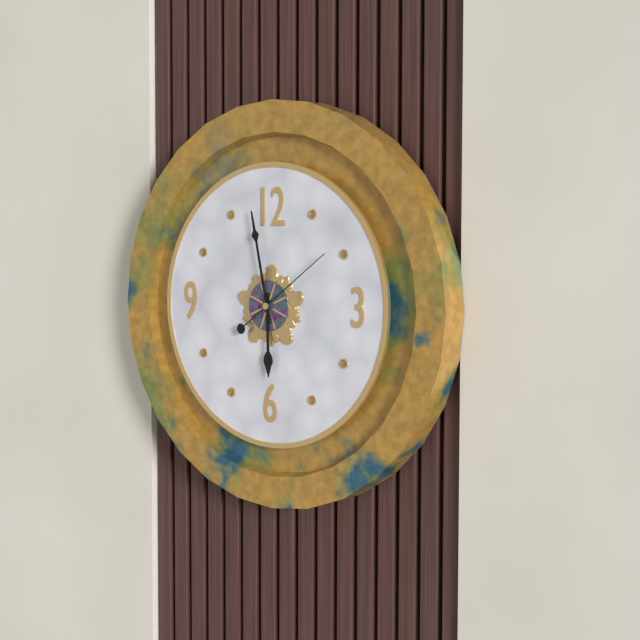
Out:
5,58,09
